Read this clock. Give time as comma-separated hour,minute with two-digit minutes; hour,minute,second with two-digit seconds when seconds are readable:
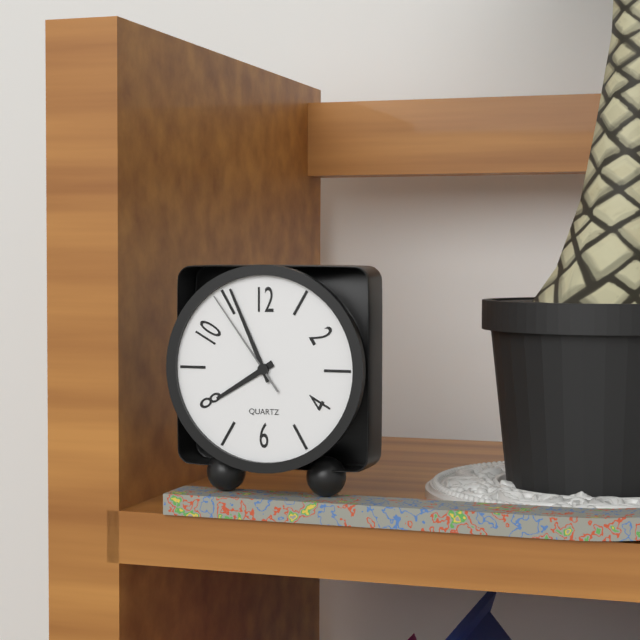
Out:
7,56,54
